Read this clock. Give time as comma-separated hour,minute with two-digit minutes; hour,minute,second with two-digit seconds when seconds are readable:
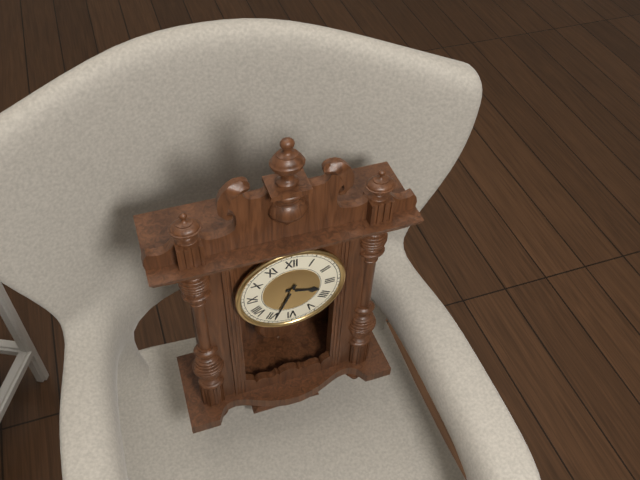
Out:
3,34
